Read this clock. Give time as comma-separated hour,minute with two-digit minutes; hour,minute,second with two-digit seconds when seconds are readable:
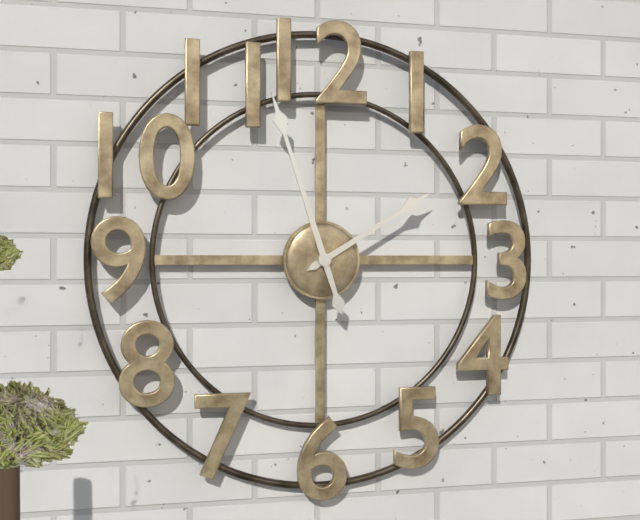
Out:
1,57
